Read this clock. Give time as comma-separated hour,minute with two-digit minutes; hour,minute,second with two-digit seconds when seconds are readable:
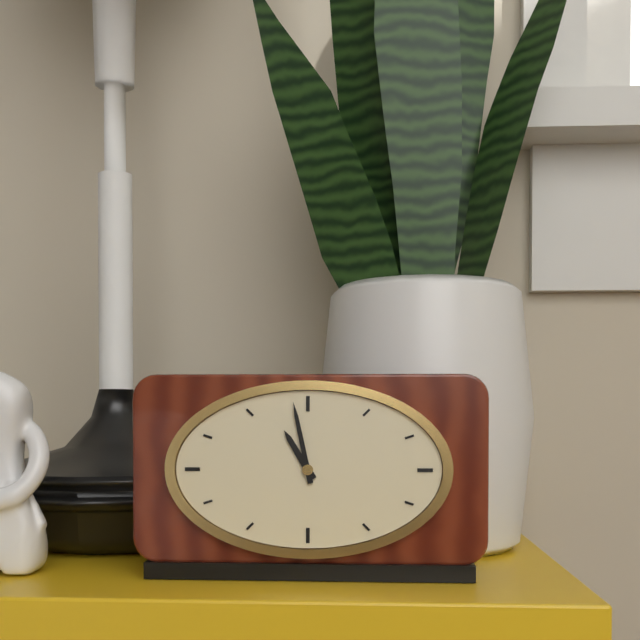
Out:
10,58
